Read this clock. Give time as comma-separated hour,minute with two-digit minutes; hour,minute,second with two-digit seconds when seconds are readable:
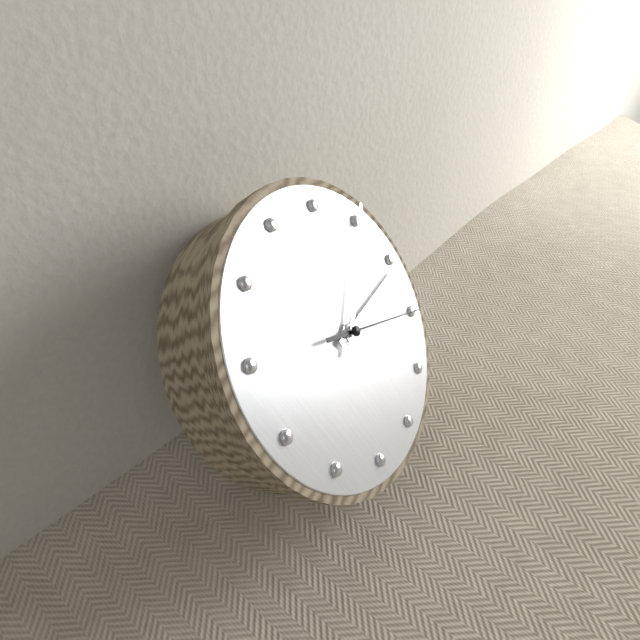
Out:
3,10,20
